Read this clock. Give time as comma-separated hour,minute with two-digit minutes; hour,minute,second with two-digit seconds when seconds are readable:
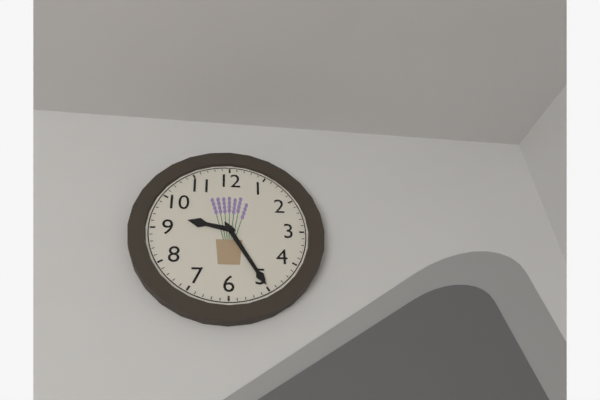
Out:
9,25
